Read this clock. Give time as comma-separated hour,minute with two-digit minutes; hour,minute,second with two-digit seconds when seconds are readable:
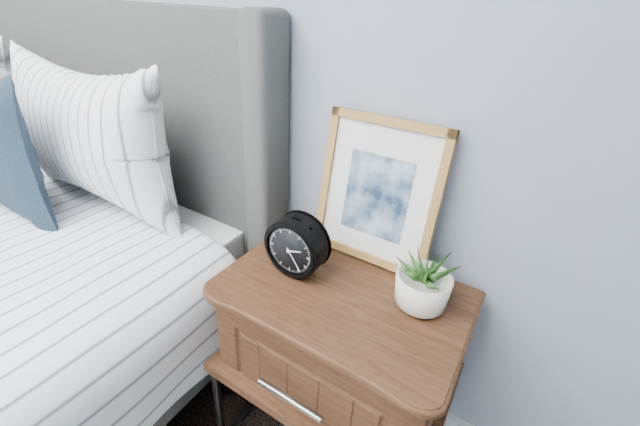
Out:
2,24
